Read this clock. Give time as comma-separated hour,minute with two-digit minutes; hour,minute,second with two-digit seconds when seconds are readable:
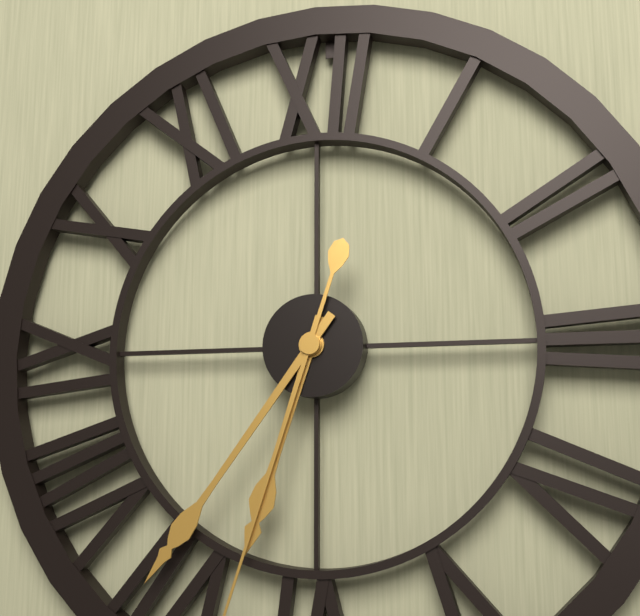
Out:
6,36
